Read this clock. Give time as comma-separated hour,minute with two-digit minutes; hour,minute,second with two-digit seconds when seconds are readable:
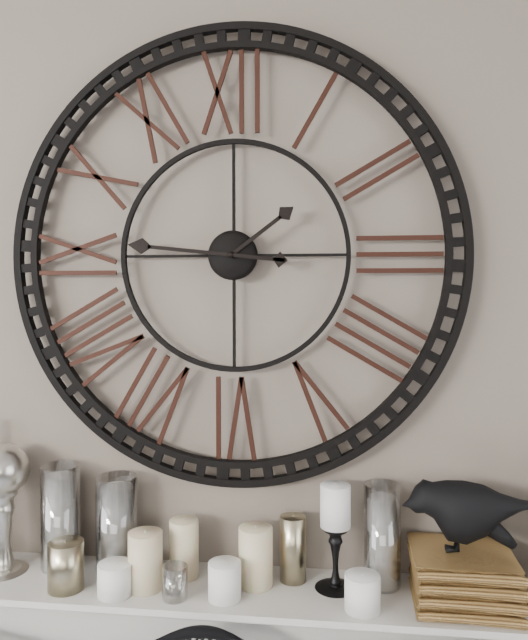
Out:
1,46
